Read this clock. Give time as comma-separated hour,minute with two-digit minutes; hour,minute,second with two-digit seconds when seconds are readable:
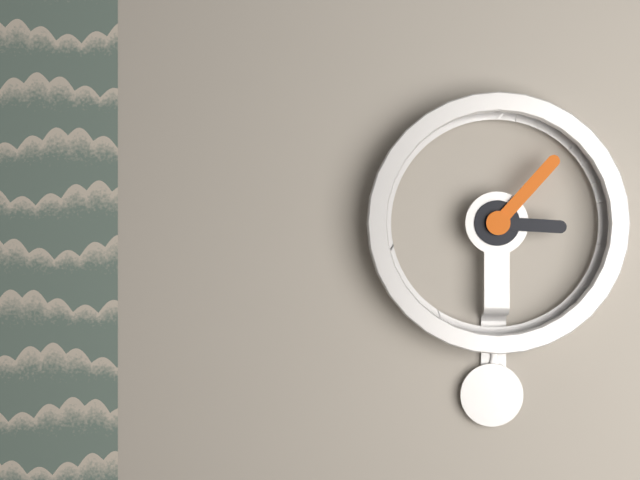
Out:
3,07
